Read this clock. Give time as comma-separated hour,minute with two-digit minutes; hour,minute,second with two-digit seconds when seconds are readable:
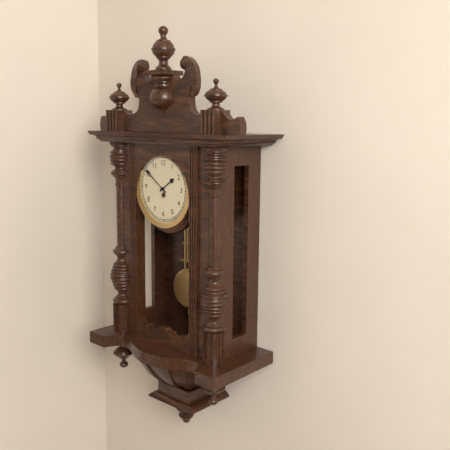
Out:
1,51
